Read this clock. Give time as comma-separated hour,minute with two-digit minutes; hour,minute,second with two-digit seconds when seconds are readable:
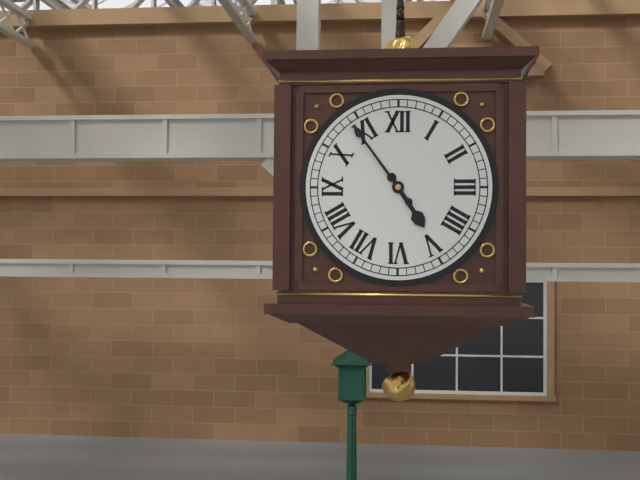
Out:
4,54
